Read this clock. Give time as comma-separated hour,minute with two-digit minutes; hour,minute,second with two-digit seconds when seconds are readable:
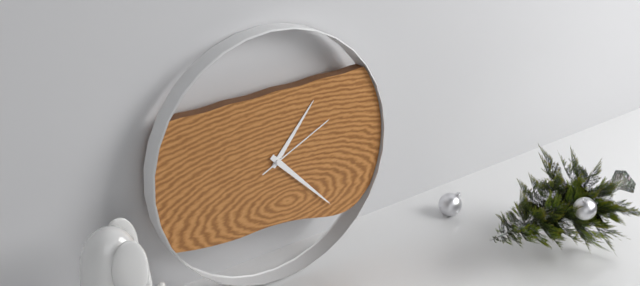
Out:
1,23,11
